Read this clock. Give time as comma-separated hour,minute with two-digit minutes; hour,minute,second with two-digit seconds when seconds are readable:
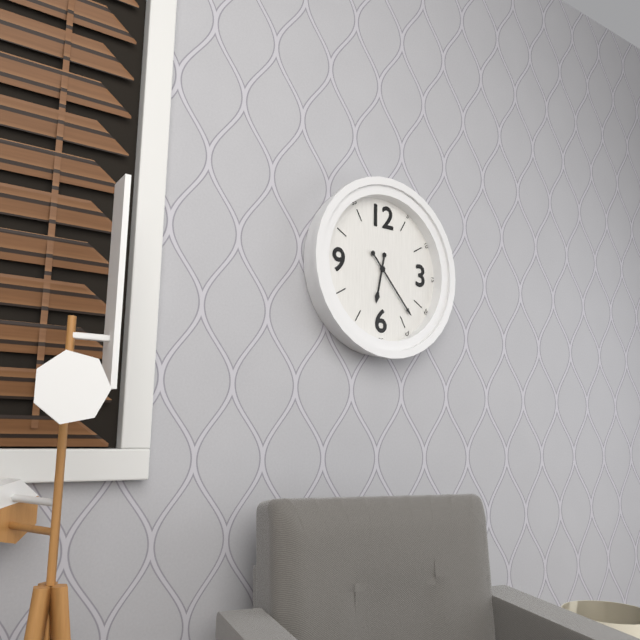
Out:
6,23
